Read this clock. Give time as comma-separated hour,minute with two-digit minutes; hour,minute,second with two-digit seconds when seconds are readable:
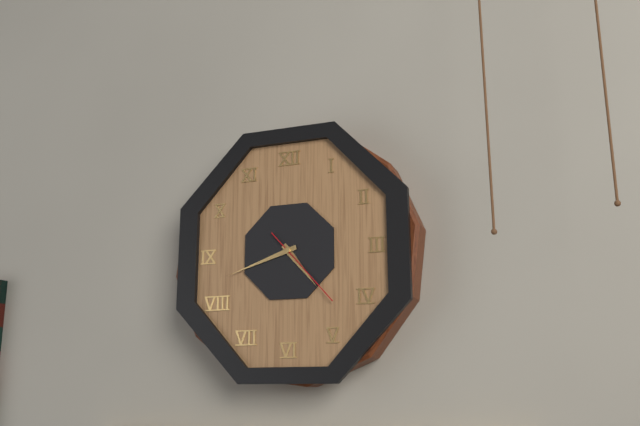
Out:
4,42,23
